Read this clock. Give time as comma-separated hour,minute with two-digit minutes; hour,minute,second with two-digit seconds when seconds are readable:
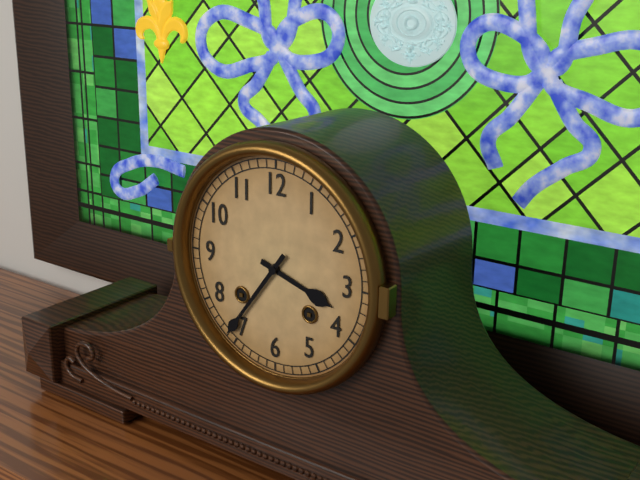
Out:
3,36
